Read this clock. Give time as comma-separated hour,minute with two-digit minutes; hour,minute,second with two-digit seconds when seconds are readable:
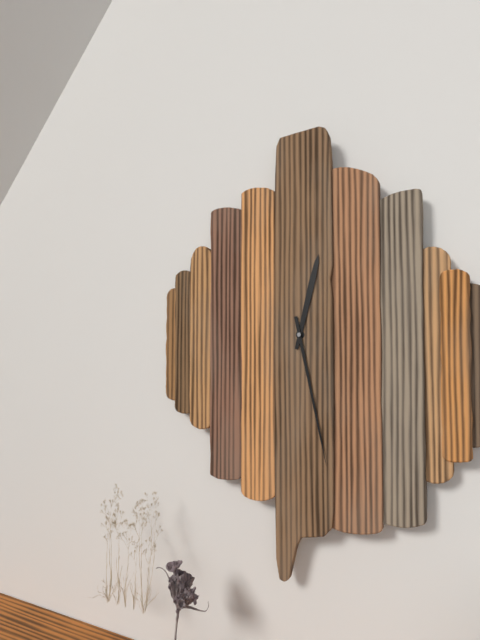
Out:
12,28
